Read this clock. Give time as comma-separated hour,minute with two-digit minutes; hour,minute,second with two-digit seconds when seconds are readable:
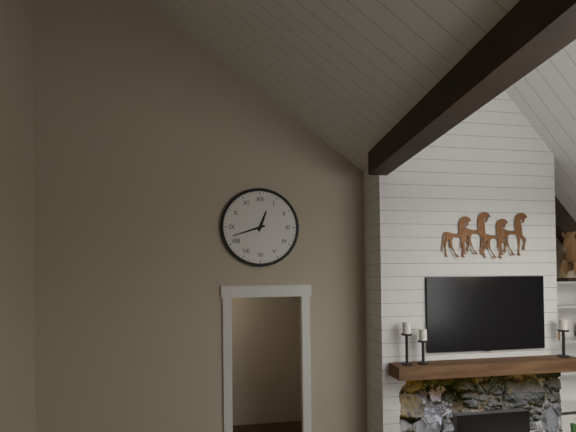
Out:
12,42
